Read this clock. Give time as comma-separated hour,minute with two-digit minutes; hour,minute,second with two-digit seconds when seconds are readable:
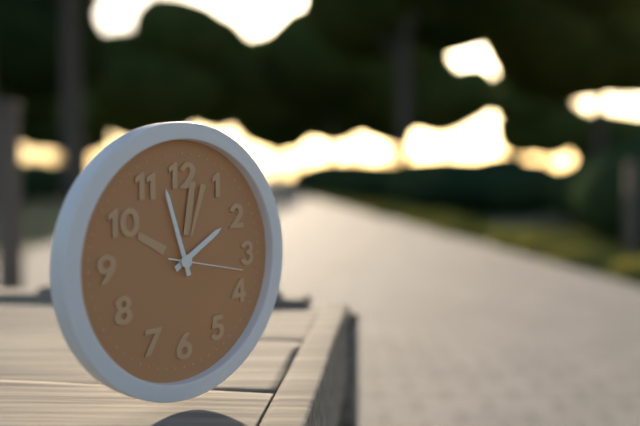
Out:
1,57,17
